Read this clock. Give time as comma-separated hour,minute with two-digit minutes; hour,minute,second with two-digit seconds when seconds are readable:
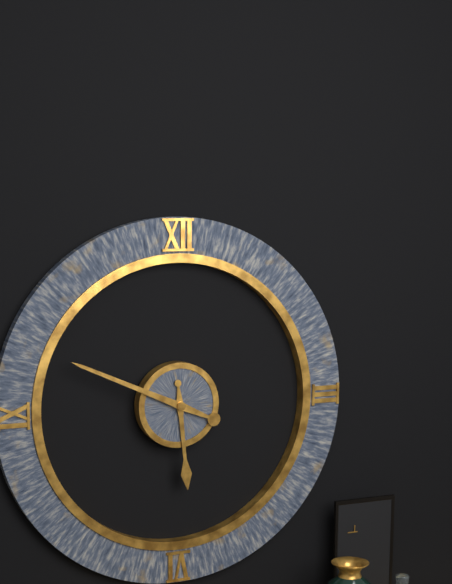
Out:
5,49
